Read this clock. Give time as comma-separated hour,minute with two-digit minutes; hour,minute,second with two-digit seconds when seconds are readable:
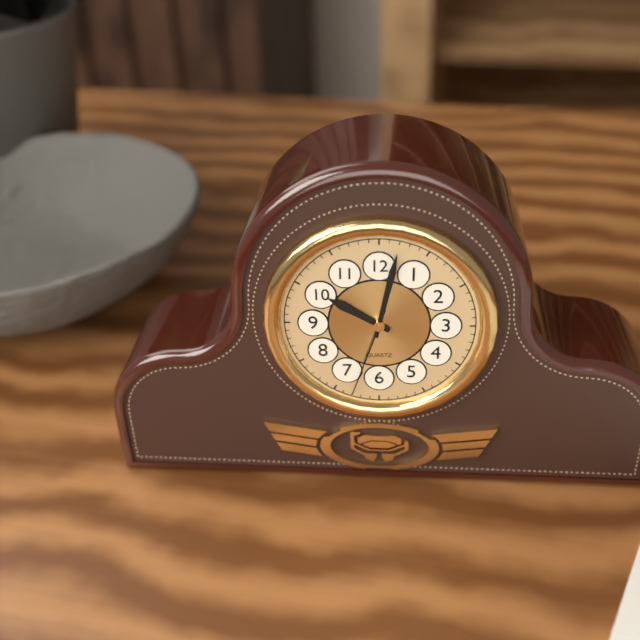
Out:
10,02,33
